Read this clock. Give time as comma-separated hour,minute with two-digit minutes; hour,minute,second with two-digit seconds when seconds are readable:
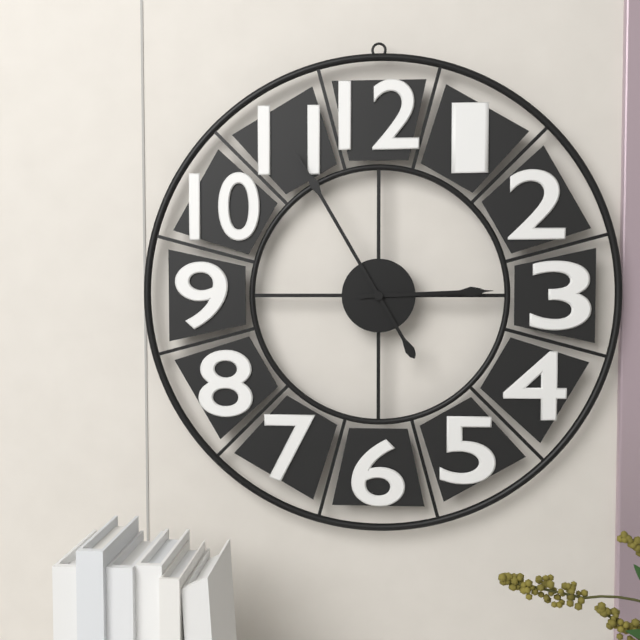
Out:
2,55
